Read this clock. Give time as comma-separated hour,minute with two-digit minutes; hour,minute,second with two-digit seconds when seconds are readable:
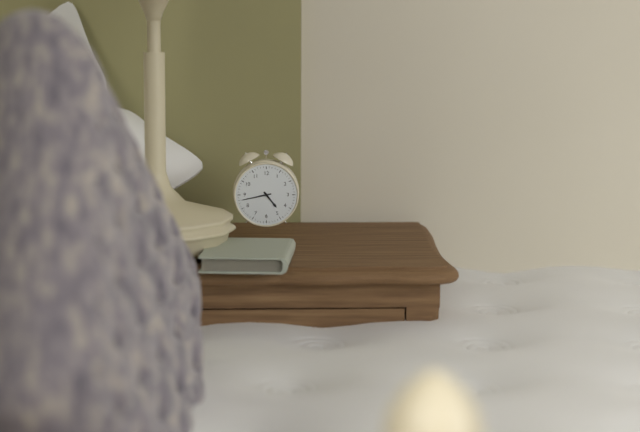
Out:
4,43
